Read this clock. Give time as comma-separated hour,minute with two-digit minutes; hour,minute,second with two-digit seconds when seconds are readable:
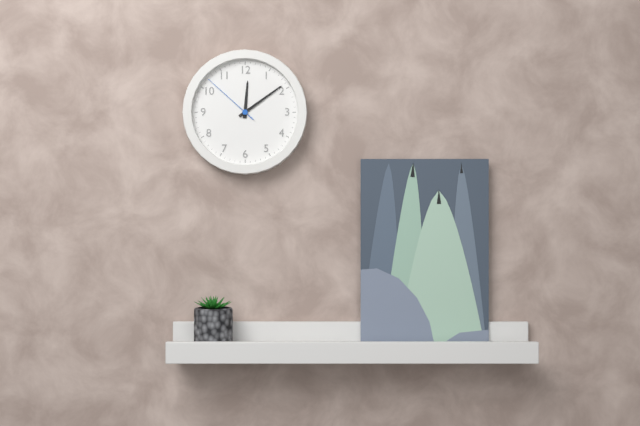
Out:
12,09,52
